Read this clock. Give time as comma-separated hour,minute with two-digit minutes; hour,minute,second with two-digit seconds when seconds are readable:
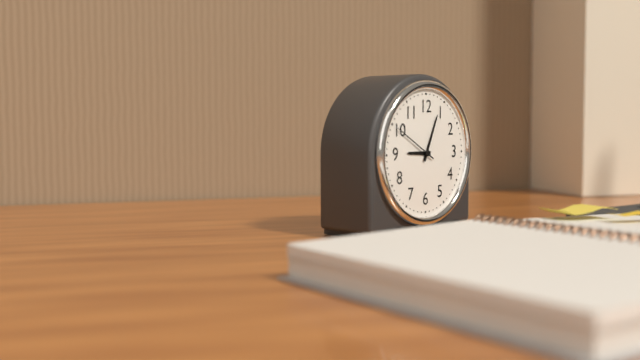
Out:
9,04
